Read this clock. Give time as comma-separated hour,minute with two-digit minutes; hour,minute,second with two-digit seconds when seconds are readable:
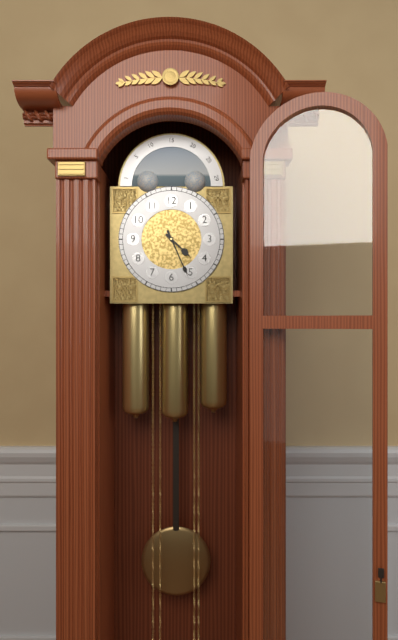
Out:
4,26
